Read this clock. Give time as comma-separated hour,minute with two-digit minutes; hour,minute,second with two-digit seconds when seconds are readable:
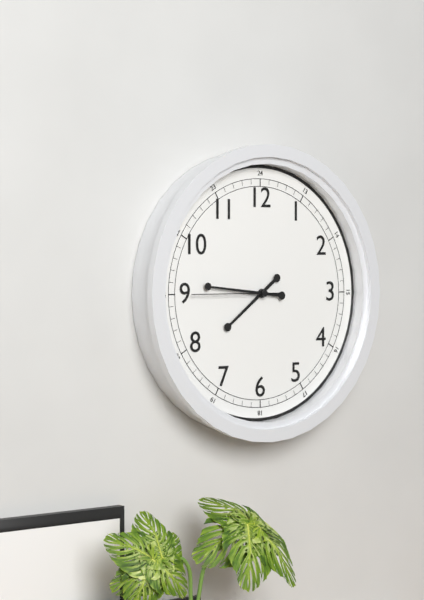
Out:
7,46,45
